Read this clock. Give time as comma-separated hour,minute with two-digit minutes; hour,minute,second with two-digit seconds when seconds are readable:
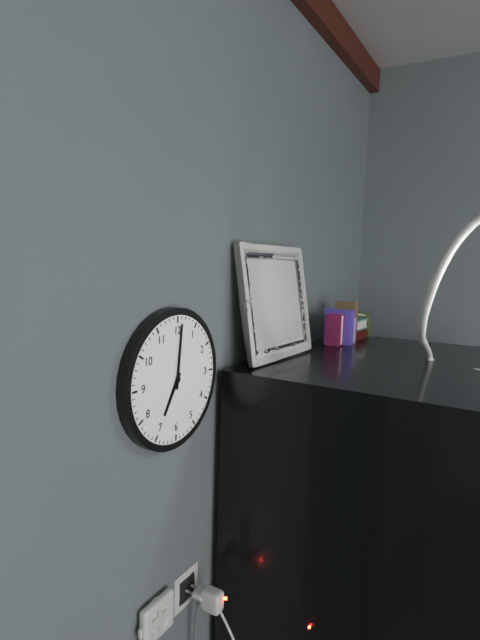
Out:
7,01
